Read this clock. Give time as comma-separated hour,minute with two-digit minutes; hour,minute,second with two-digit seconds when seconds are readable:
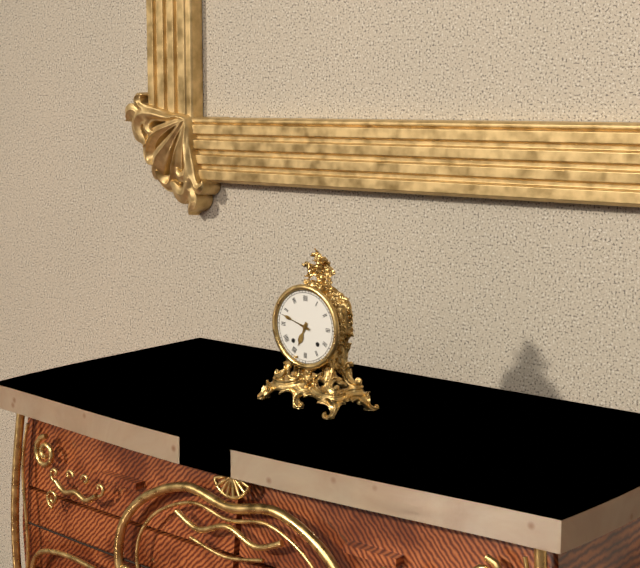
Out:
6,48
